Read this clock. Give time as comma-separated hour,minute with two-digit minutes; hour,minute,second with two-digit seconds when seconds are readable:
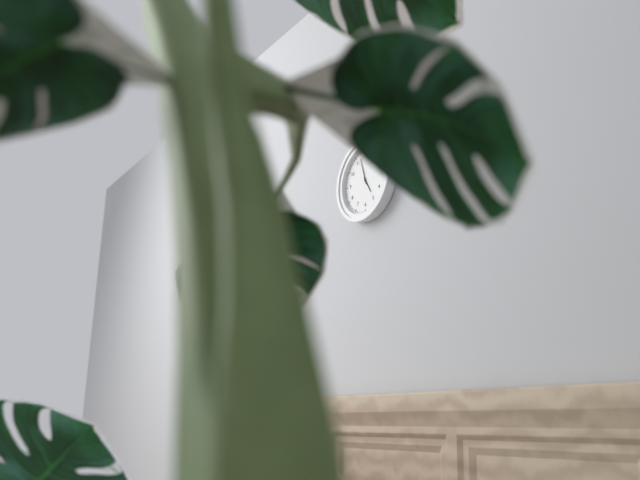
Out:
4,57
